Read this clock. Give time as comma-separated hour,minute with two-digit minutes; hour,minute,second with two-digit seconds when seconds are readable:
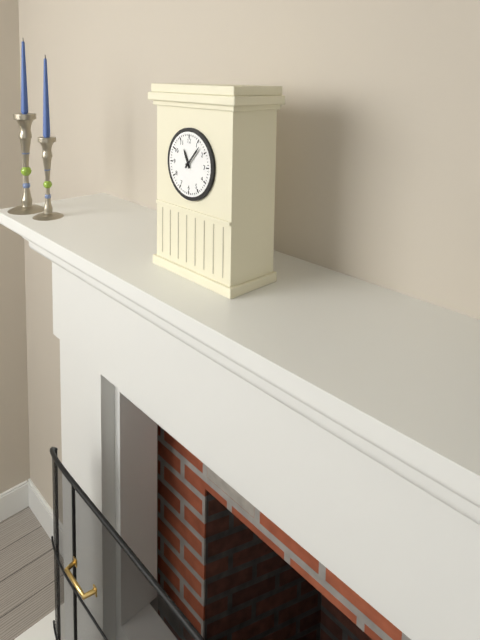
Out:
11,07
